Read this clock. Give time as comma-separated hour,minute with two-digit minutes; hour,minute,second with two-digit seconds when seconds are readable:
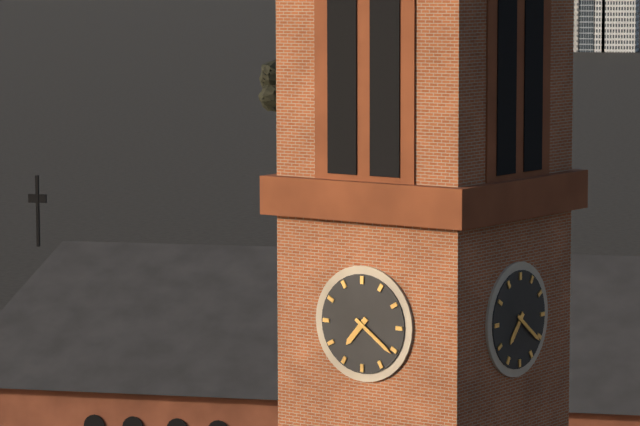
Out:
7,21
